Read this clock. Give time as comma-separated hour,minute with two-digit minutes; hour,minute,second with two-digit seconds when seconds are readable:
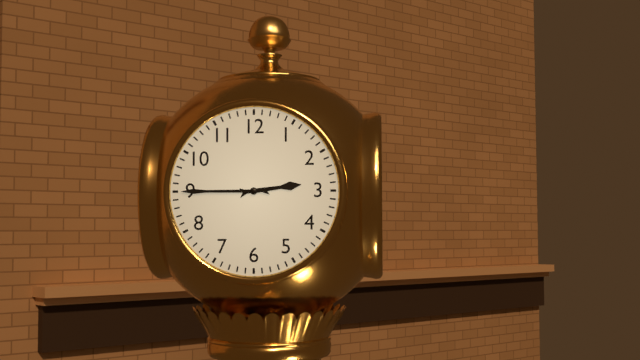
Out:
2,45
